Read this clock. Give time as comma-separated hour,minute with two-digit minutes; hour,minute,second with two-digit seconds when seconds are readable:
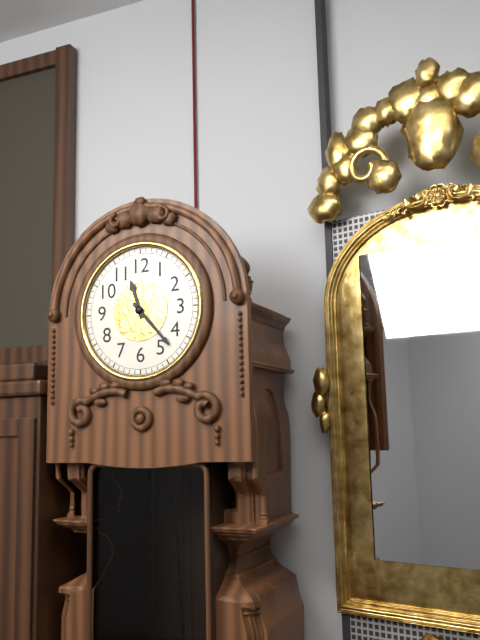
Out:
11,23
